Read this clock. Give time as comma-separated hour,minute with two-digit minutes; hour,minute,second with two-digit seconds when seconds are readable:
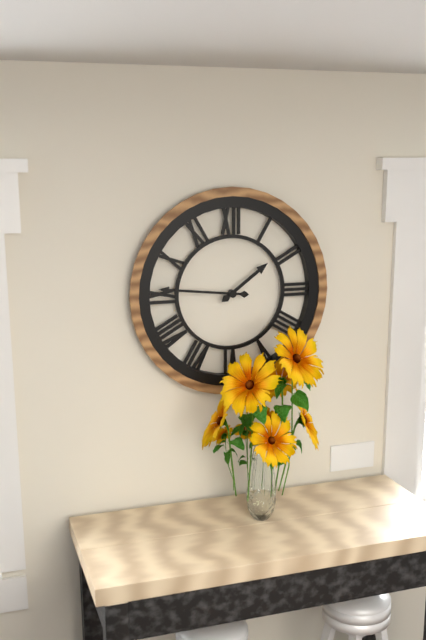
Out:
1,46
